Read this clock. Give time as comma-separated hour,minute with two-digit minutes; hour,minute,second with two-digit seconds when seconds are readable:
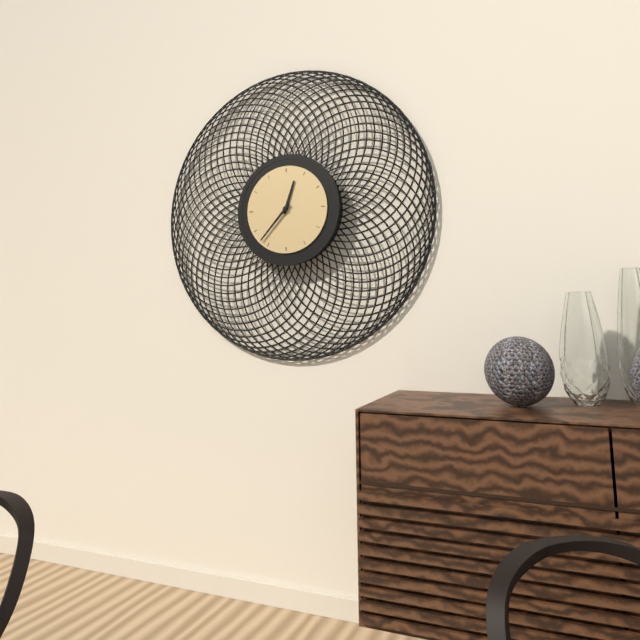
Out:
12,37
